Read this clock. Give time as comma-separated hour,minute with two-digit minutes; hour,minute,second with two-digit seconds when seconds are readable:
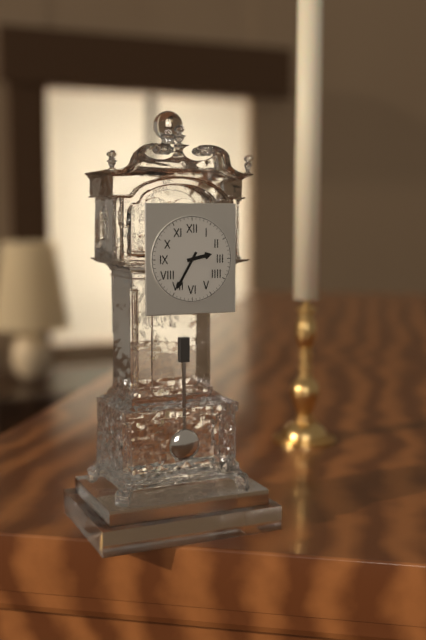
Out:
2,35
